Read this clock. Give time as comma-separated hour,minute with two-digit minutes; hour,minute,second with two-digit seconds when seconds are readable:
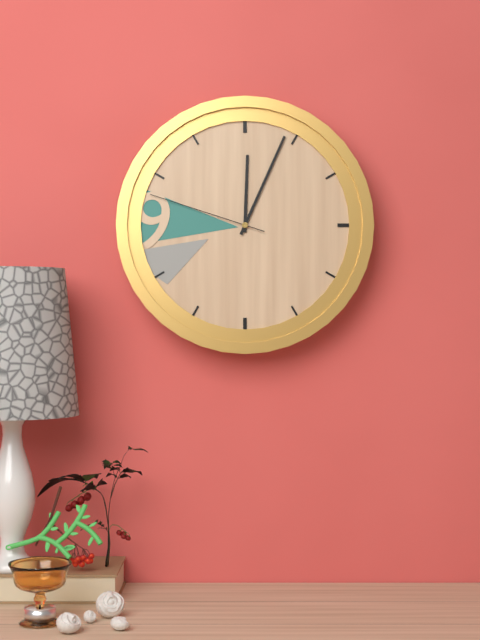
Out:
12,04,48
